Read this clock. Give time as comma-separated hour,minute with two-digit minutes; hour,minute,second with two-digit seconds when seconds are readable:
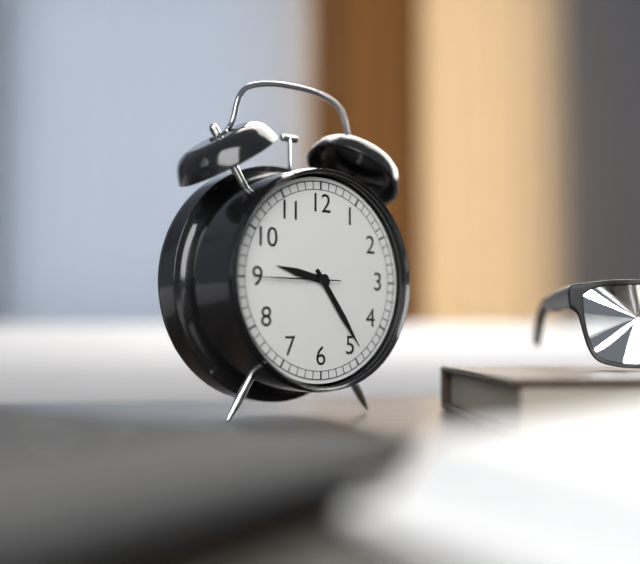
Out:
9,24,45
